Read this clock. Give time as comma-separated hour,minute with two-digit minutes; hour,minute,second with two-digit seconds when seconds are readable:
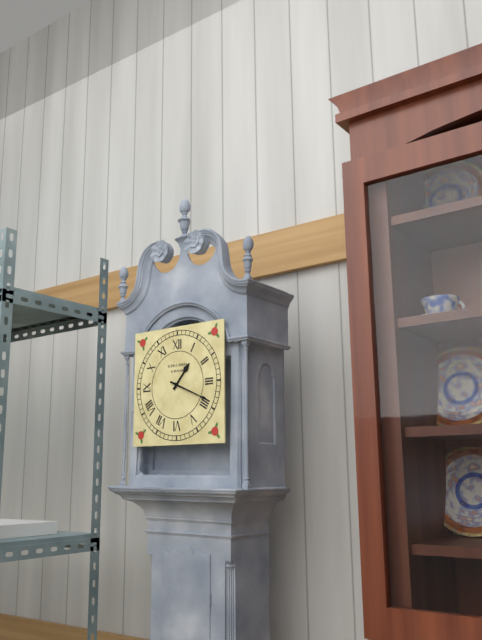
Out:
1,19
